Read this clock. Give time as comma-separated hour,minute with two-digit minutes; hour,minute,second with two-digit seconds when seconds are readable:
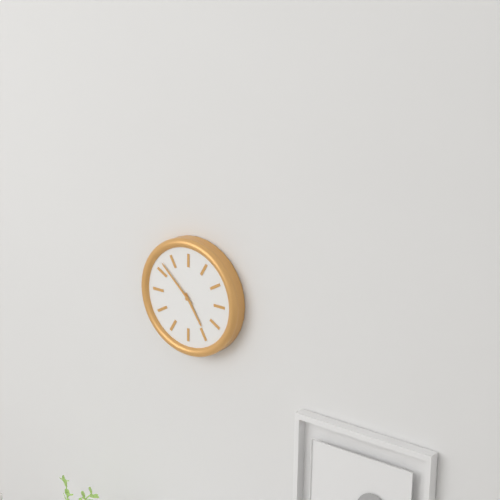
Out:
4,52
